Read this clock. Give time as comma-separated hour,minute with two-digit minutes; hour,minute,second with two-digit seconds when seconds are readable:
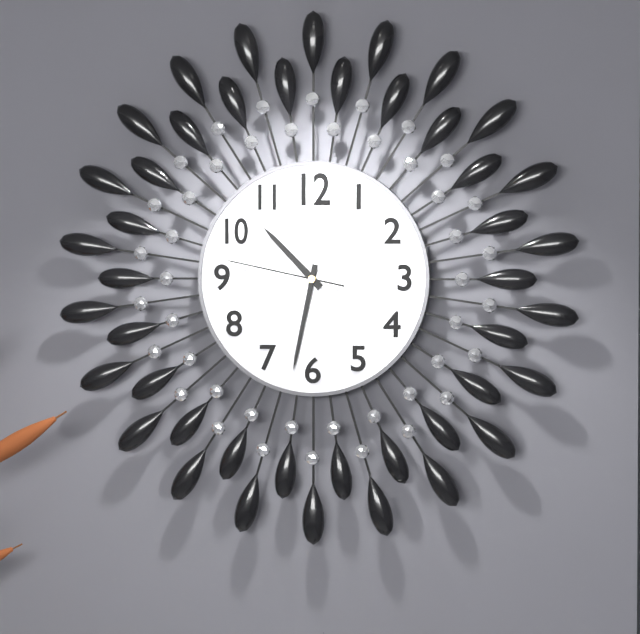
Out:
10,32,47
